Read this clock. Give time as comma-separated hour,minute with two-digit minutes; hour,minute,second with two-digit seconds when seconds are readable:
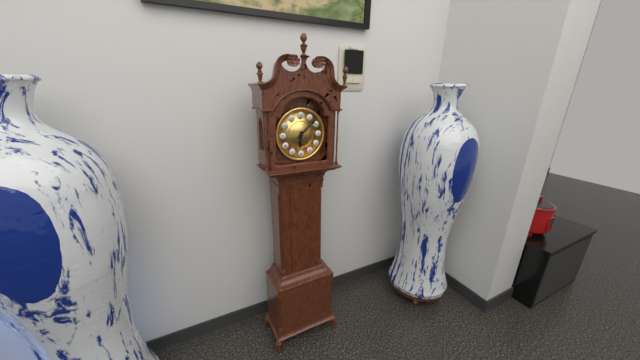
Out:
6,08
